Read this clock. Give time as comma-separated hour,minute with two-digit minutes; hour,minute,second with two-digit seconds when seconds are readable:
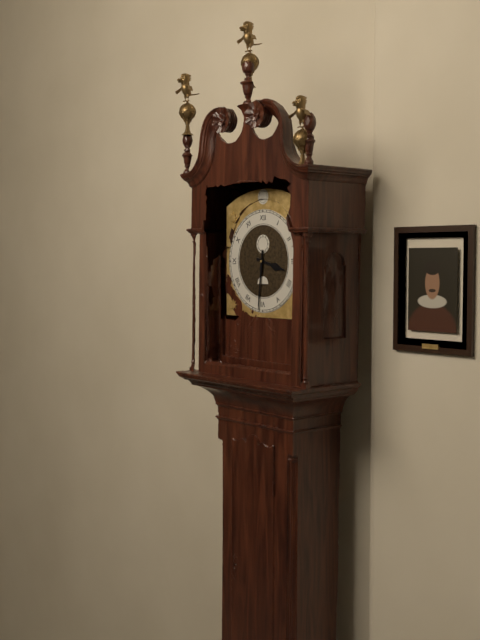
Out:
3,31
